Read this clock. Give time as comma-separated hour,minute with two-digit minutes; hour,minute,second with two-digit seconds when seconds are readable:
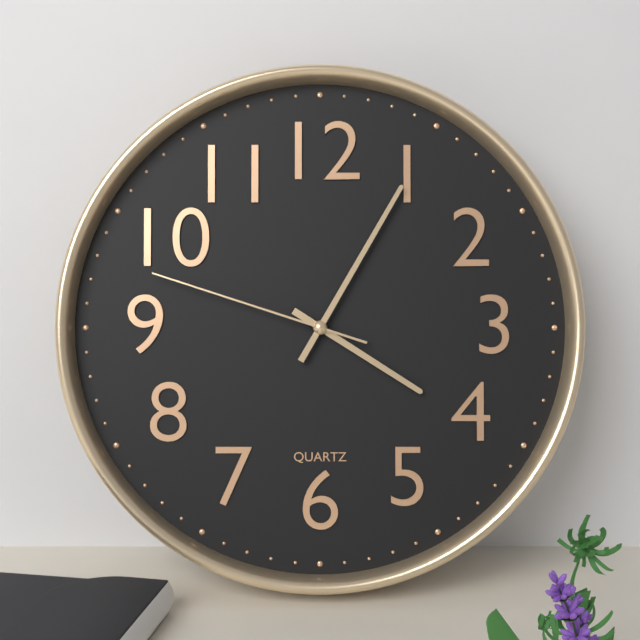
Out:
4,05,48
